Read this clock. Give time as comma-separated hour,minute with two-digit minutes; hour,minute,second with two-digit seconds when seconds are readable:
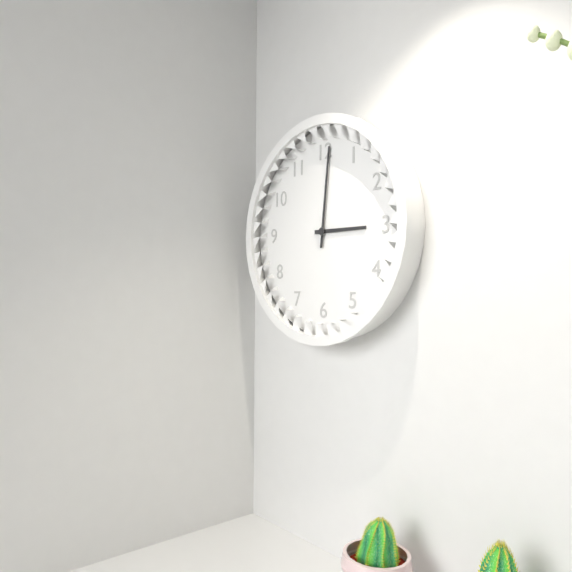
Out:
3,01
